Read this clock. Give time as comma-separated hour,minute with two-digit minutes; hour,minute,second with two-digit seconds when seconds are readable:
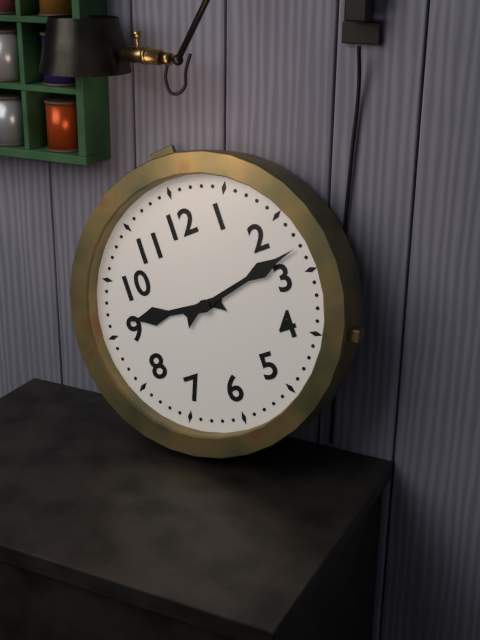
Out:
9,13
